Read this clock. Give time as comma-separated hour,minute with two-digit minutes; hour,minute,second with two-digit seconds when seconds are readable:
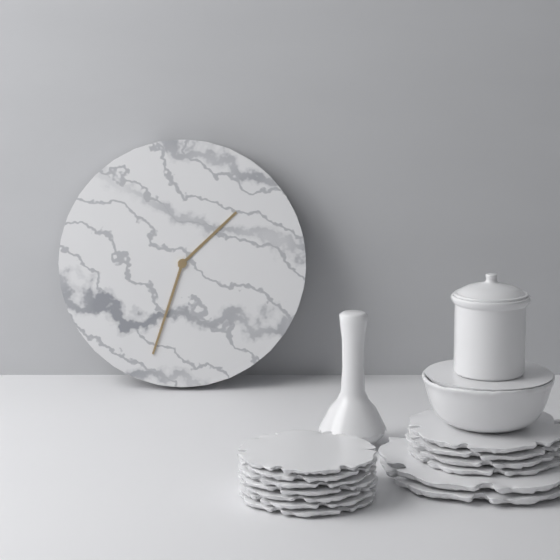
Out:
1,33
